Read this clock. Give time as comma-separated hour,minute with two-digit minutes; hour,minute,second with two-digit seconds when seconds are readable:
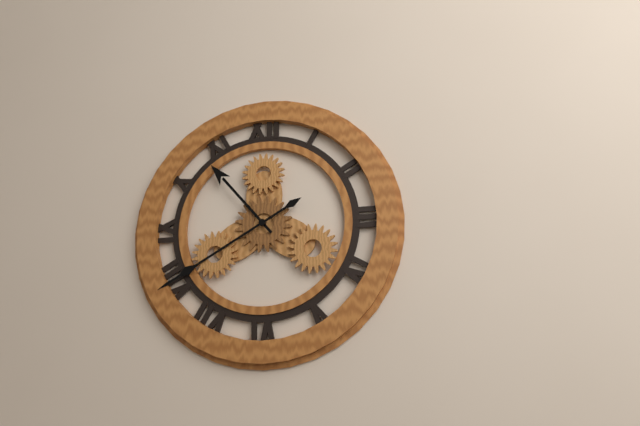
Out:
10,40
